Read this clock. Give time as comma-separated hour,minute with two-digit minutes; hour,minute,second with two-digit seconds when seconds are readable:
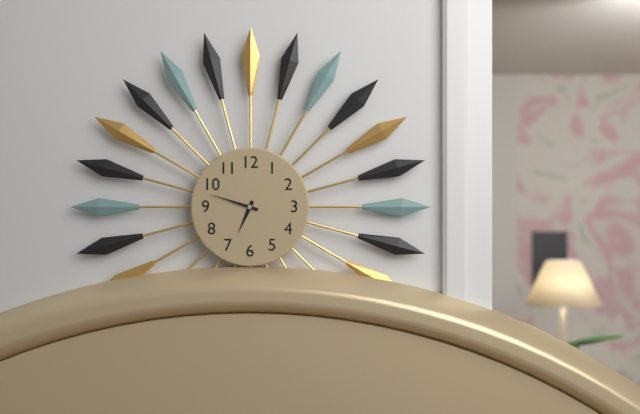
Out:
6,48
